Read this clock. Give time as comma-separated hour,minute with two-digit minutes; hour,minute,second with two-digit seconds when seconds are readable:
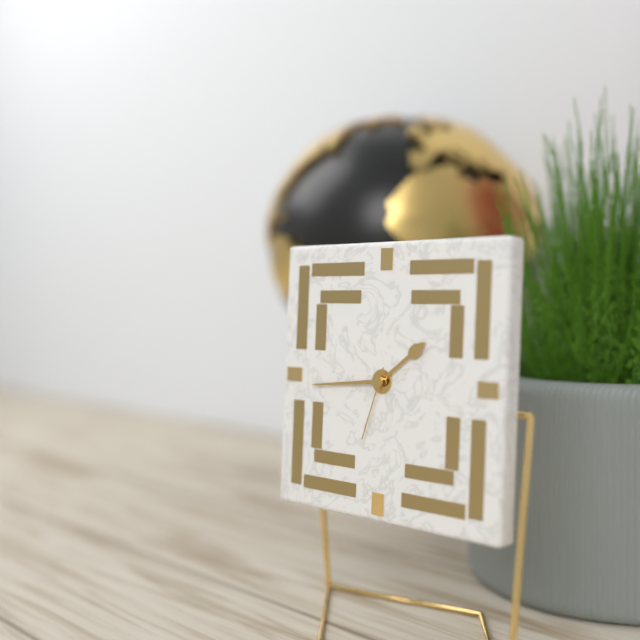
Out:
1,44,33
